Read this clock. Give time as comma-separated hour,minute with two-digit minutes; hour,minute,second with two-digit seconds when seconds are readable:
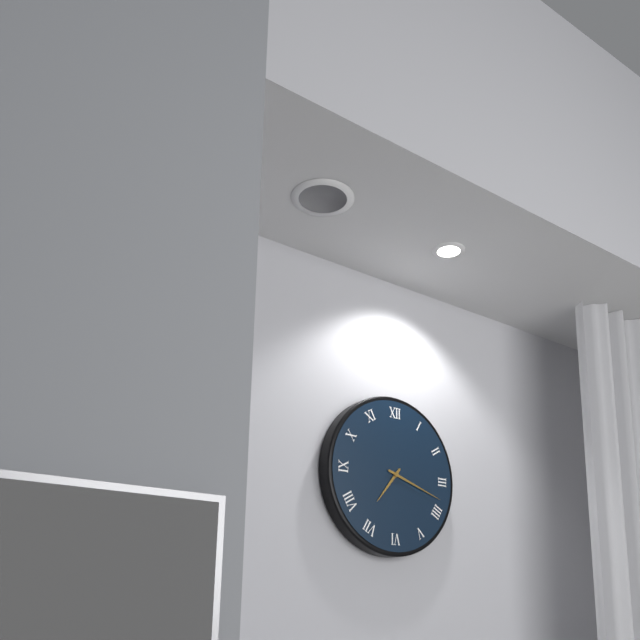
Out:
7,18
